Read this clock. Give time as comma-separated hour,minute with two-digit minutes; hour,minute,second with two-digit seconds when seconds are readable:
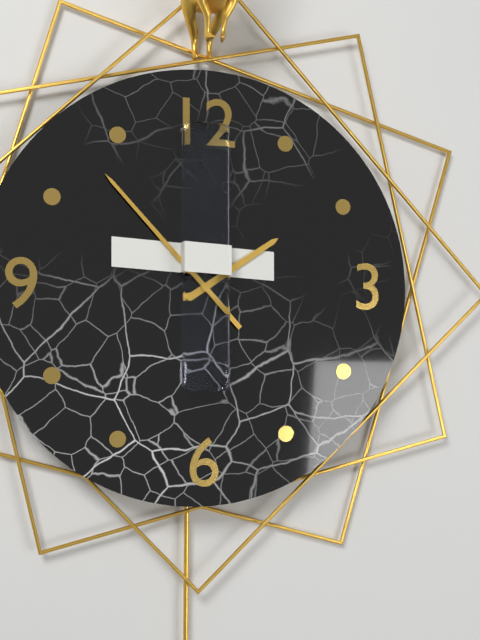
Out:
1,53
